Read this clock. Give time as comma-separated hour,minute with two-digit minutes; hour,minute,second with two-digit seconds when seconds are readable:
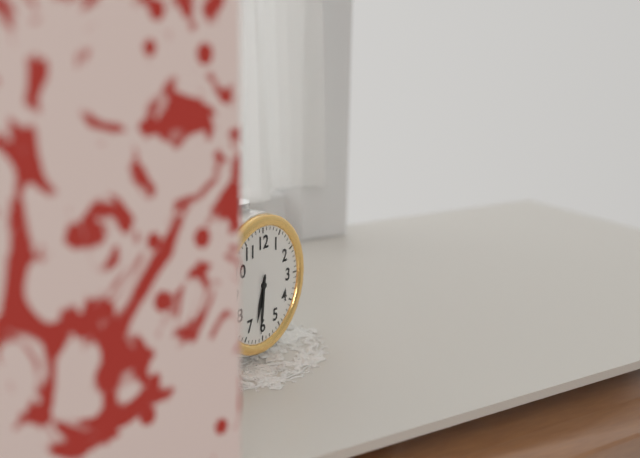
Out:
6,31
